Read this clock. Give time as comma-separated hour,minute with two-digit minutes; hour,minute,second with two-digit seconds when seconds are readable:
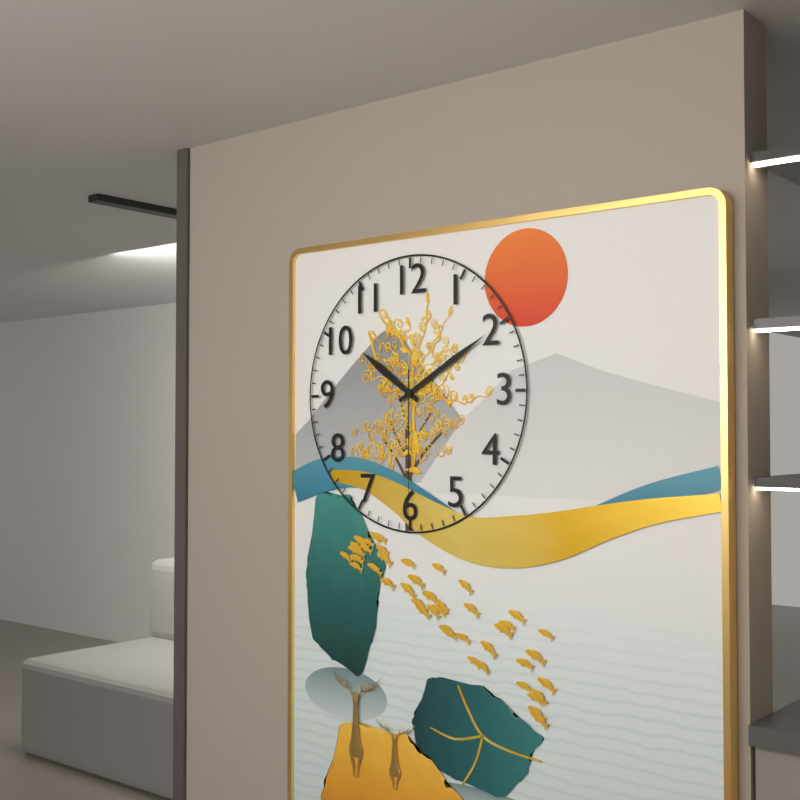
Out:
10,10,30
